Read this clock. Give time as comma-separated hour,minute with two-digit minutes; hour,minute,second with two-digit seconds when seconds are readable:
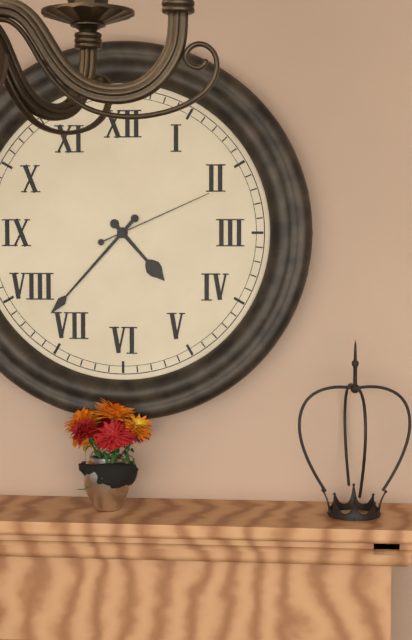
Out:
4,37,11
